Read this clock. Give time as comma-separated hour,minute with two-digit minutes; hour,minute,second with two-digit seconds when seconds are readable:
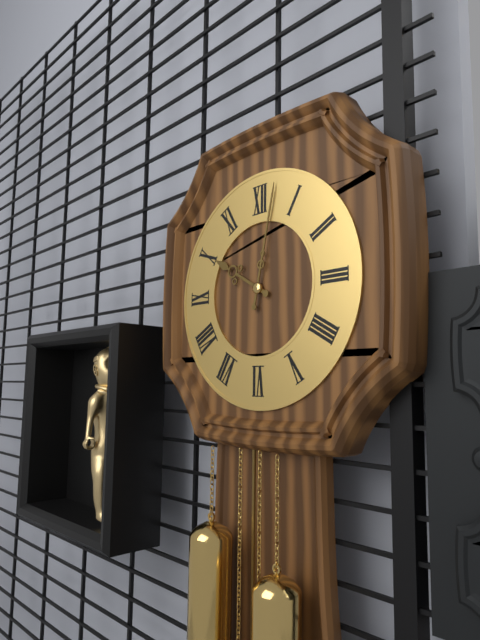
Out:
10,02
